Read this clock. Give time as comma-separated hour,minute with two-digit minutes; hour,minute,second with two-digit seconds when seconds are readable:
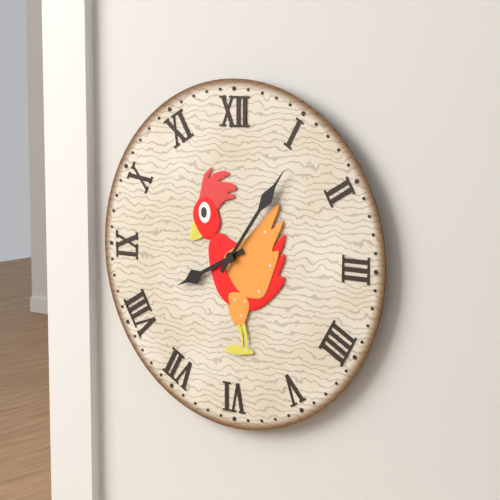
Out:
8,06
